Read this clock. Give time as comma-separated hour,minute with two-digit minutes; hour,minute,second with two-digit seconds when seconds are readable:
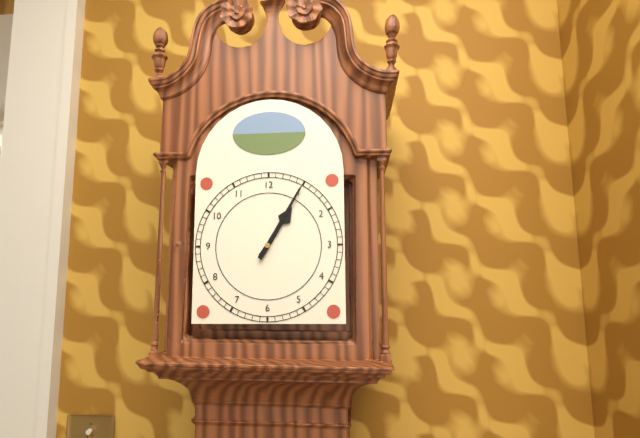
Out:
1,05
